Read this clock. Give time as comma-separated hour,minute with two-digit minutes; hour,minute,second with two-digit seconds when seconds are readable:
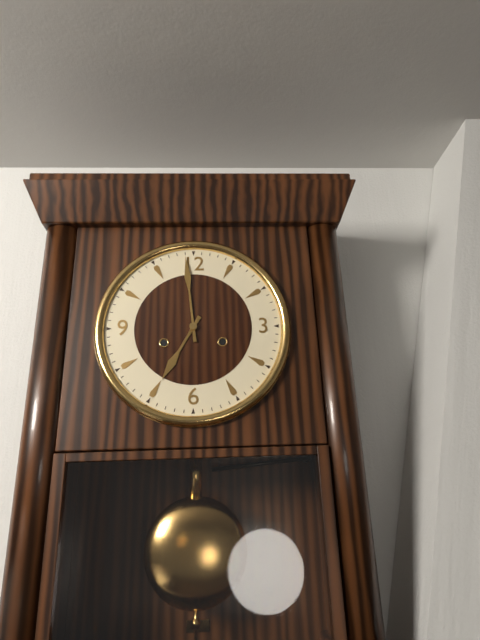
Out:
6,59
